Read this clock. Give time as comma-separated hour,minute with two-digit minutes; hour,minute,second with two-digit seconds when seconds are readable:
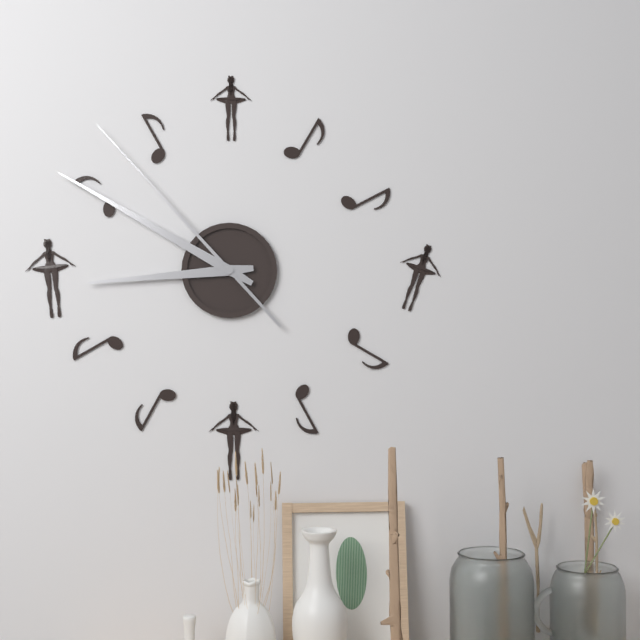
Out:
8,50,53
